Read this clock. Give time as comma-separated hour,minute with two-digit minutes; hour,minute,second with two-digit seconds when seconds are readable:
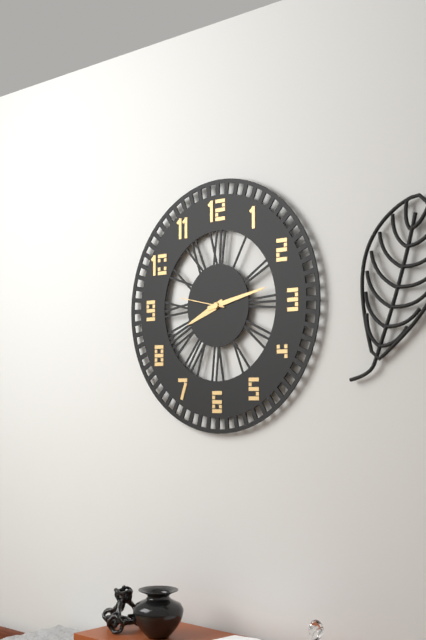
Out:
8,13
